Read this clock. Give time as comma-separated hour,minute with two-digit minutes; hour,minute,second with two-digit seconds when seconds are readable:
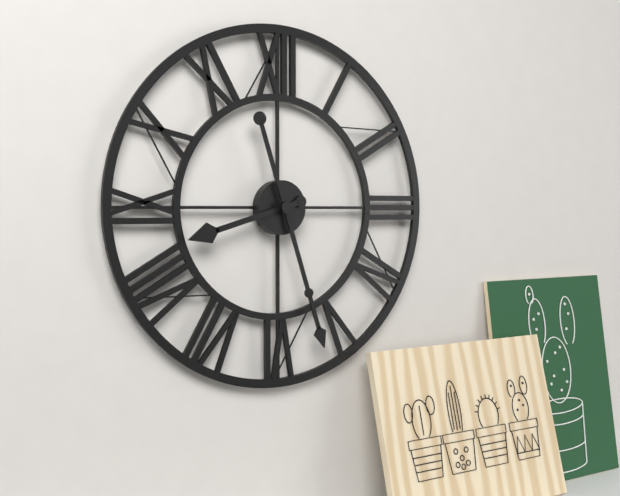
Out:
8,27
